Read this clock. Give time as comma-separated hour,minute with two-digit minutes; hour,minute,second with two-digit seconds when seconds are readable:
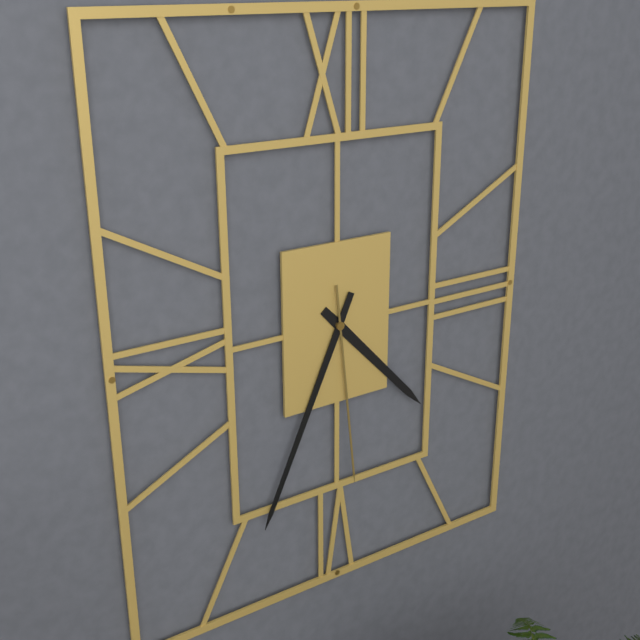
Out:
4,34,29
